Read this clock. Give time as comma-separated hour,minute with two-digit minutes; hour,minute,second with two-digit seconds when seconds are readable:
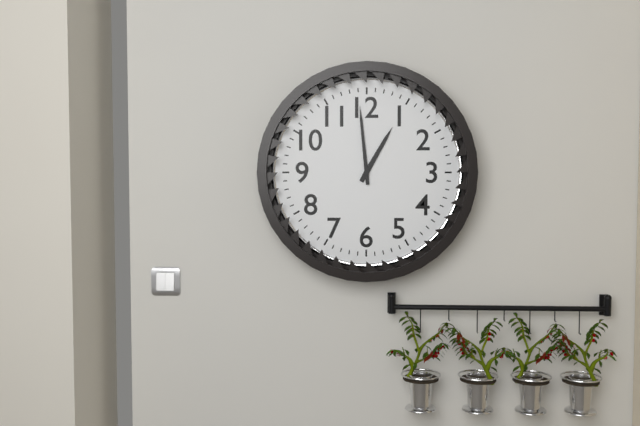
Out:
12,59
